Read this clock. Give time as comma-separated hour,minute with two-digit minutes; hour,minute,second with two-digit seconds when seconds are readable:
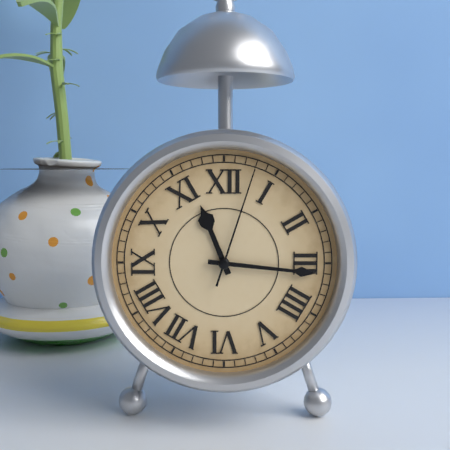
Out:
11,16,03
